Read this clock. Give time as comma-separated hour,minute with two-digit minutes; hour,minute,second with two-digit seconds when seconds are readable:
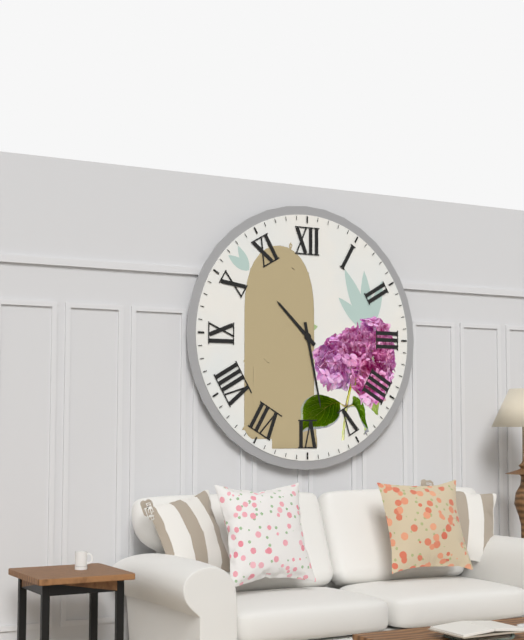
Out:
10,28
